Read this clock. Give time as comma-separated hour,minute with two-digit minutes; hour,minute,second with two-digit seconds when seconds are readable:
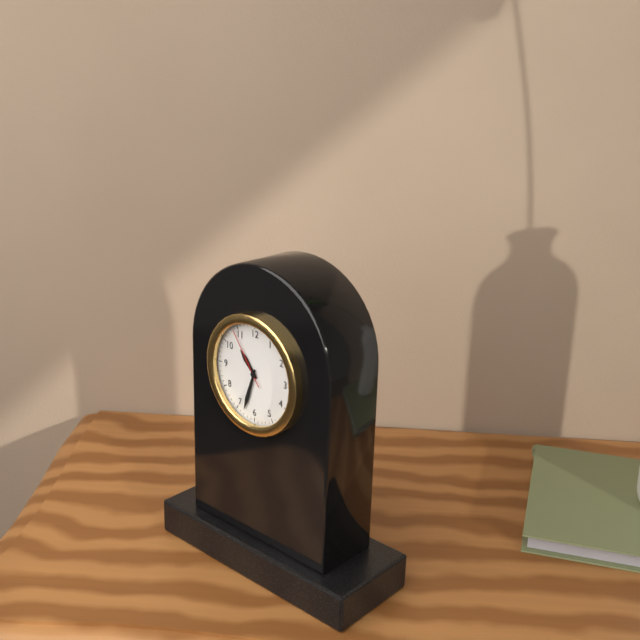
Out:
10,33,54
